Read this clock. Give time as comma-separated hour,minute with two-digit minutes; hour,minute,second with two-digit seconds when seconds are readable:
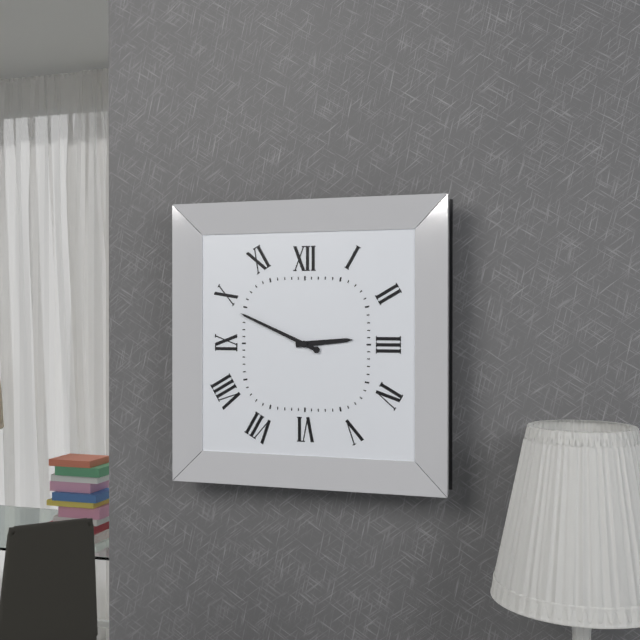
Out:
2,49
